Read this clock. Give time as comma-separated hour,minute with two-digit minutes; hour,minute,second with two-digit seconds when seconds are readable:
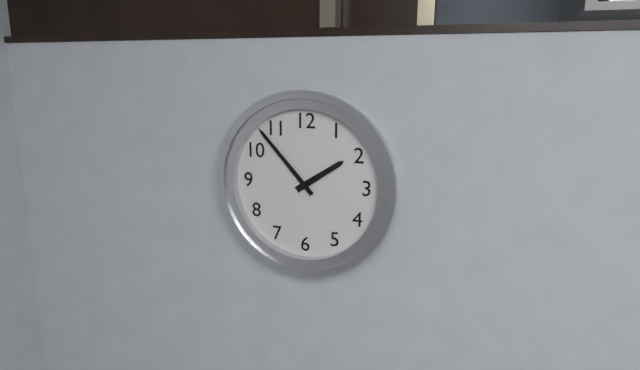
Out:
1,53
